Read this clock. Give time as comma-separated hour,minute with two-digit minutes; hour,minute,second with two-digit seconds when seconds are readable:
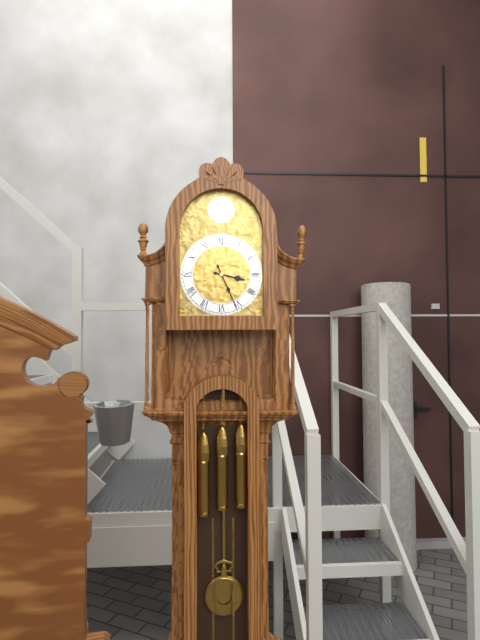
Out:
3,26
